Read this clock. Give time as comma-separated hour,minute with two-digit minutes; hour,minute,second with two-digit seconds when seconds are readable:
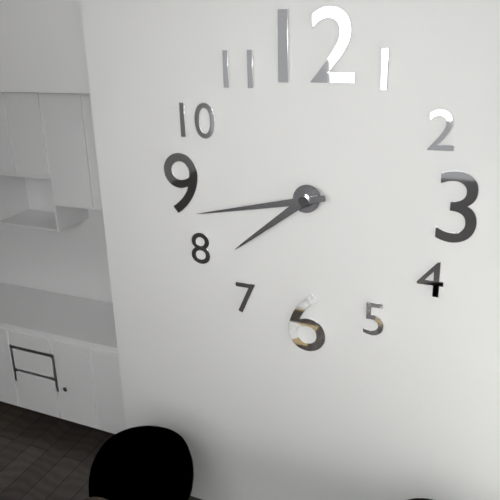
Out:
7,43
